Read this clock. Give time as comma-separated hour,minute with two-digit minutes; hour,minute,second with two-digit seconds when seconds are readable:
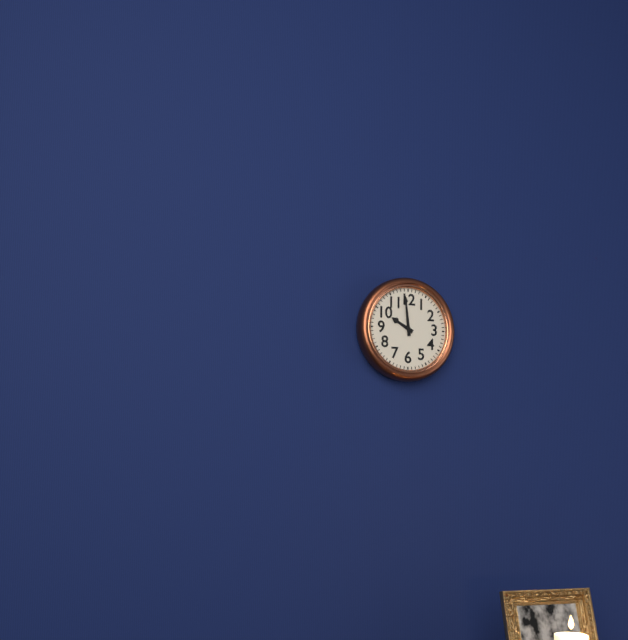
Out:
9,59
